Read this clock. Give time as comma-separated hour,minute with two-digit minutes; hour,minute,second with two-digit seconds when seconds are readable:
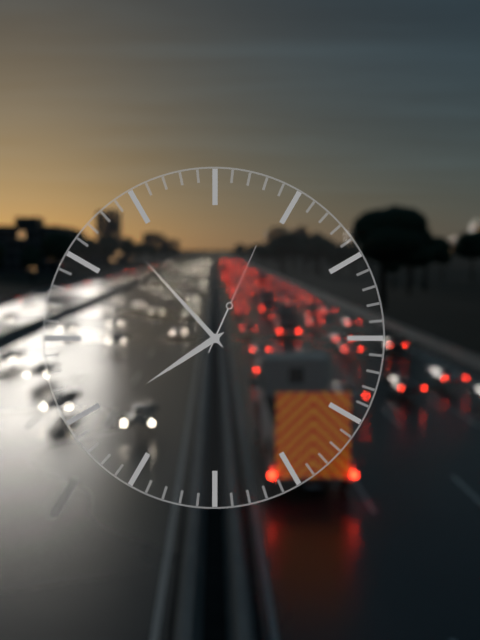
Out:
7,53,04
